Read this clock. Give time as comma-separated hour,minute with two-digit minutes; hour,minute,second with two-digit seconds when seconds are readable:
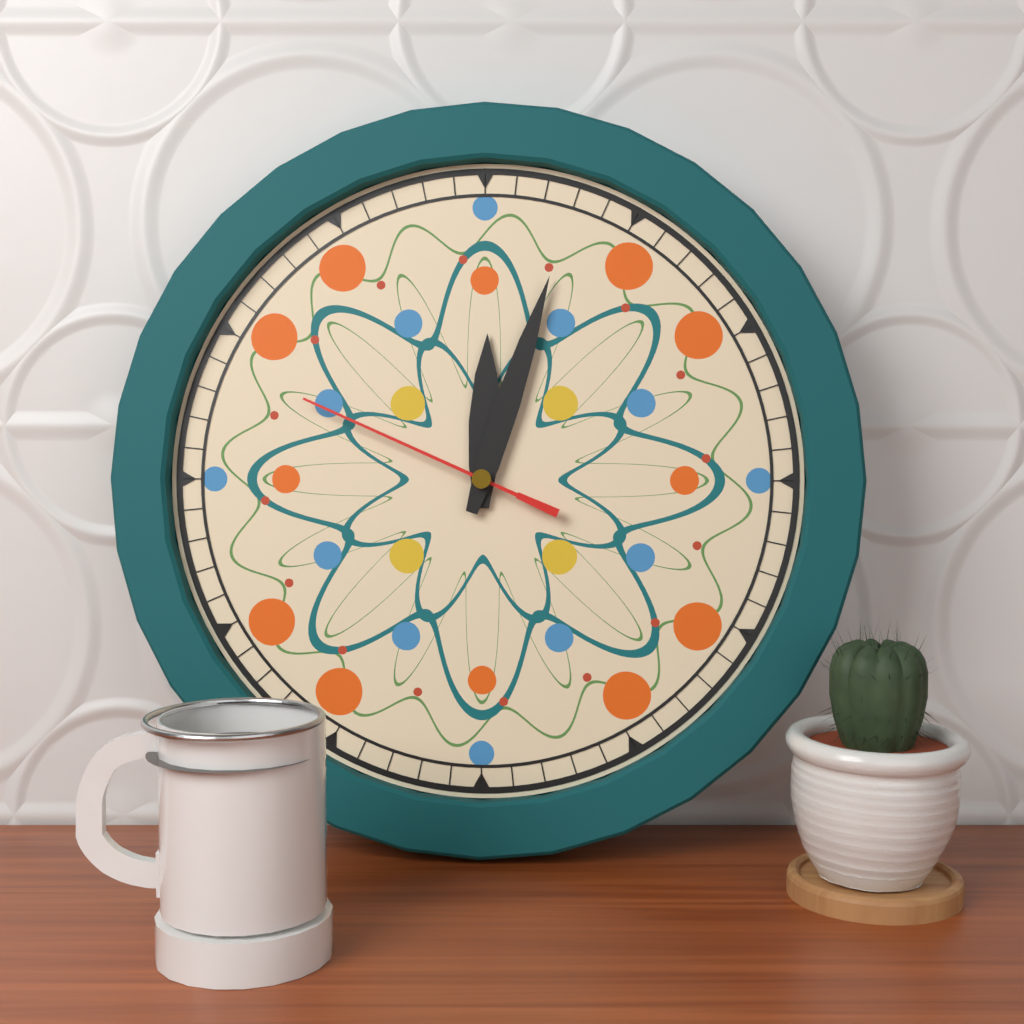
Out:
12,03,49
